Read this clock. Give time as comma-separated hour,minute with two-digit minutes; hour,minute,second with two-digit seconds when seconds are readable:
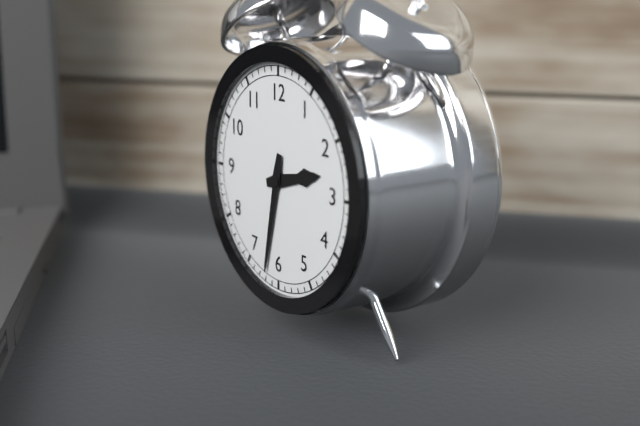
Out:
2,32
